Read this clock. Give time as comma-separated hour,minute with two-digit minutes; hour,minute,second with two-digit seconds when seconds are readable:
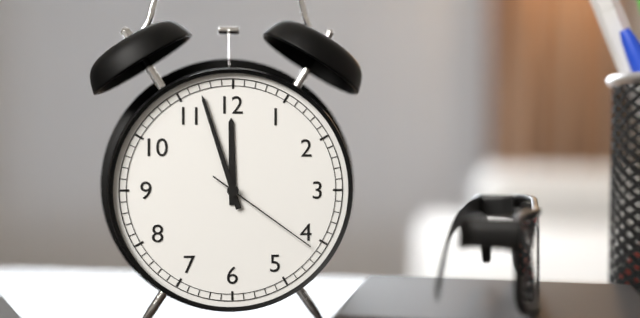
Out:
11,57,21
